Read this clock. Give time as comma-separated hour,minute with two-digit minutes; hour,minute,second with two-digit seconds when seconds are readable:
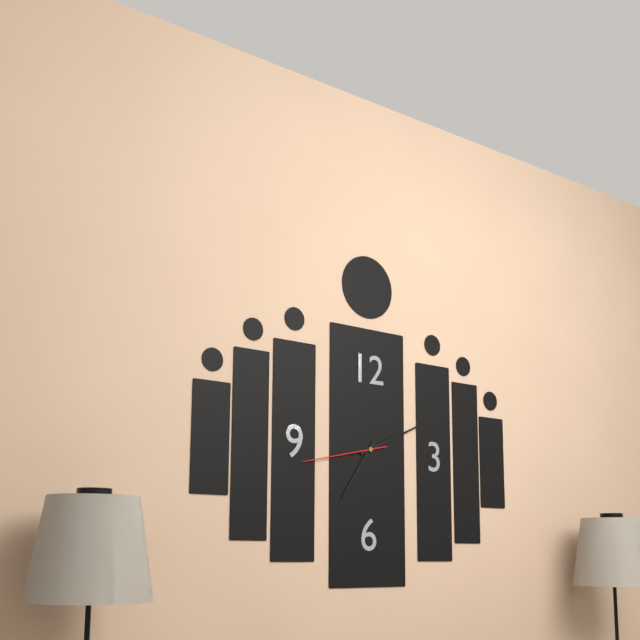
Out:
7,11,43
